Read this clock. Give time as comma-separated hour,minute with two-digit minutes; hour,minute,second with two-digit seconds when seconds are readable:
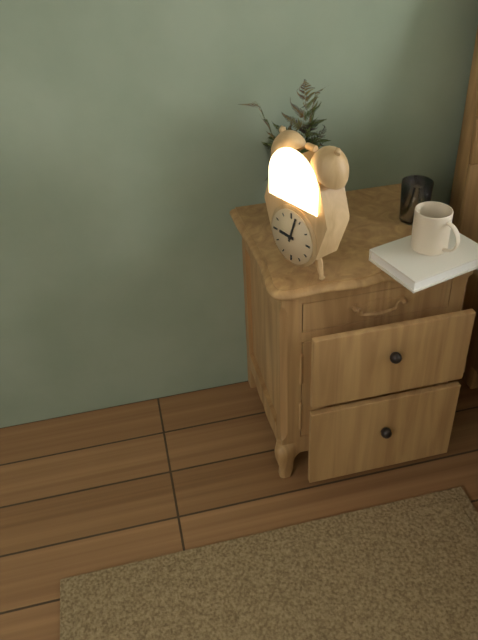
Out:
9,03
